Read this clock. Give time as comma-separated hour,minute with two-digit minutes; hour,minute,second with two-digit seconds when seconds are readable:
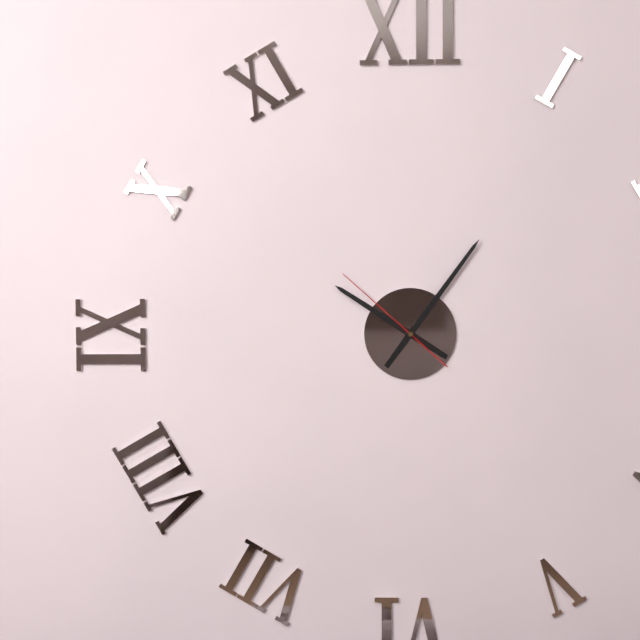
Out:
10,06,52
